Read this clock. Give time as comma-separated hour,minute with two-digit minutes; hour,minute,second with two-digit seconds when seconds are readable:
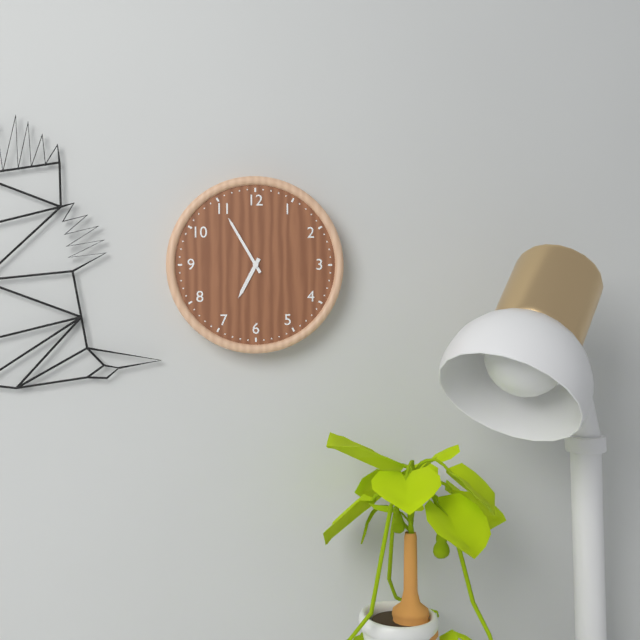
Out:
6,55
